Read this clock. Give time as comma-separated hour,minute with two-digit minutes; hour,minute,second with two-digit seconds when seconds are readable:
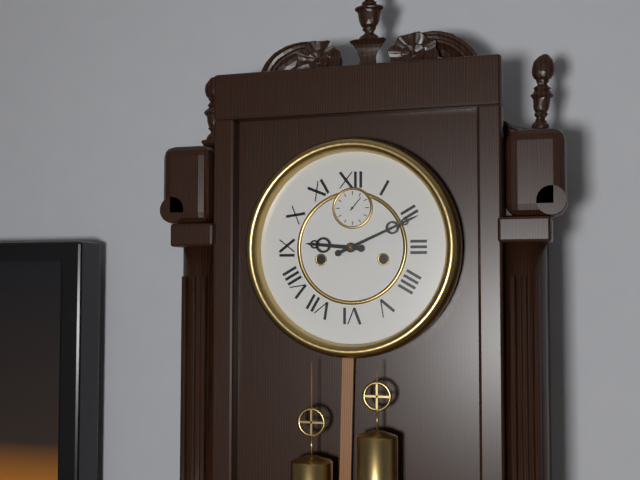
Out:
9,11
